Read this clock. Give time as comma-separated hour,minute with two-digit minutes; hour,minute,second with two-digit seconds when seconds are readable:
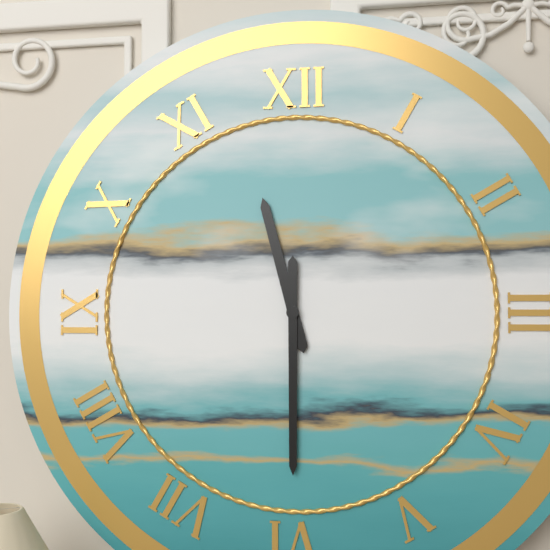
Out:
11,30
